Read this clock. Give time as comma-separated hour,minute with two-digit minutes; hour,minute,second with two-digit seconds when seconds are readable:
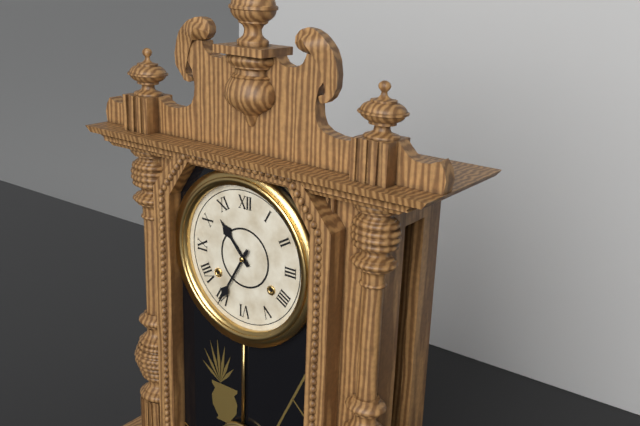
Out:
10,35
